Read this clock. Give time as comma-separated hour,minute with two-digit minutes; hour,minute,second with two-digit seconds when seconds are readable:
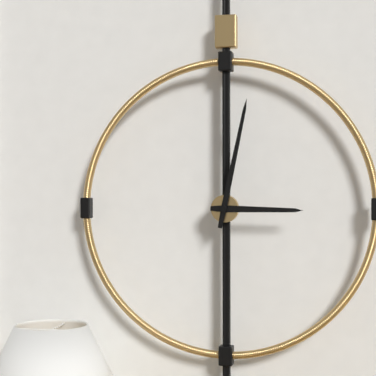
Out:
3,02
